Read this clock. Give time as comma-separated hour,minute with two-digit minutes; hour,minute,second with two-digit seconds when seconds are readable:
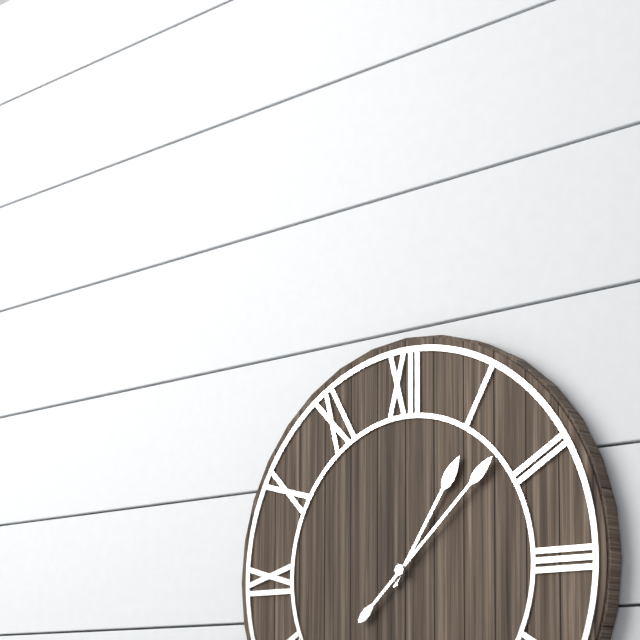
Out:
1,08
